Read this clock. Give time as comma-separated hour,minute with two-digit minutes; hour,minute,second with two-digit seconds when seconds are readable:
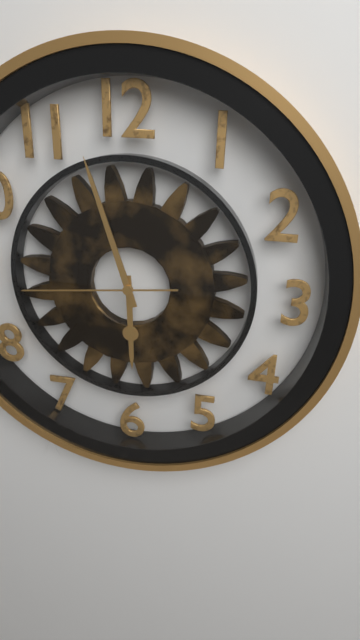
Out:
5,57,44
